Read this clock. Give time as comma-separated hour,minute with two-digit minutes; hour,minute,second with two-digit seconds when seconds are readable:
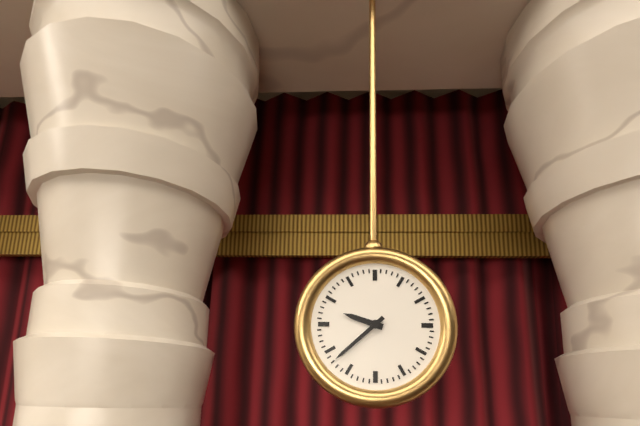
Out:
9,38
